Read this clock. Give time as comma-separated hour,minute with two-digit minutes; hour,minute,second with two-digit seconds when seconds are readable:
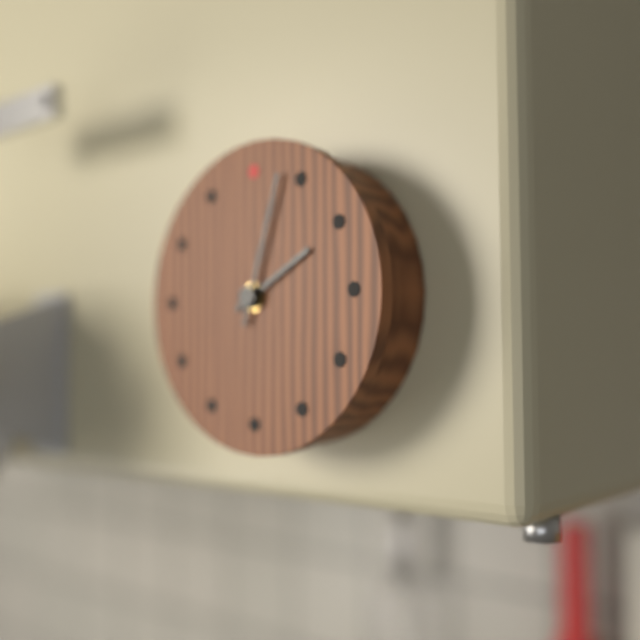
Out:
2,03
